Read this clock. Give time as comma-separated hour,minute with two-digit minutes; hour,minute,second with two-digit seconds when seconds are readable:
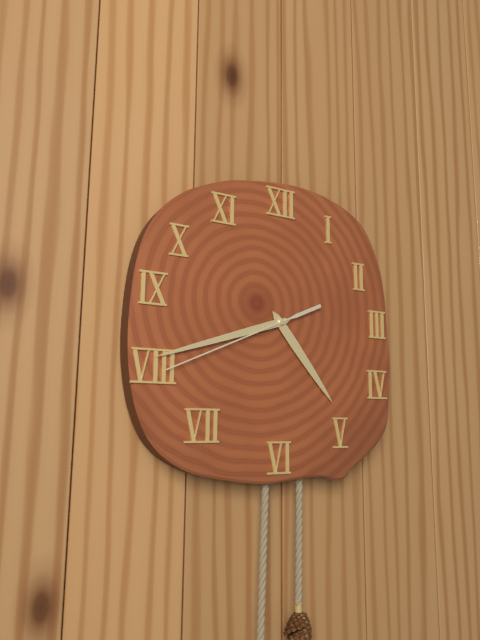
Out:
4,42,41
